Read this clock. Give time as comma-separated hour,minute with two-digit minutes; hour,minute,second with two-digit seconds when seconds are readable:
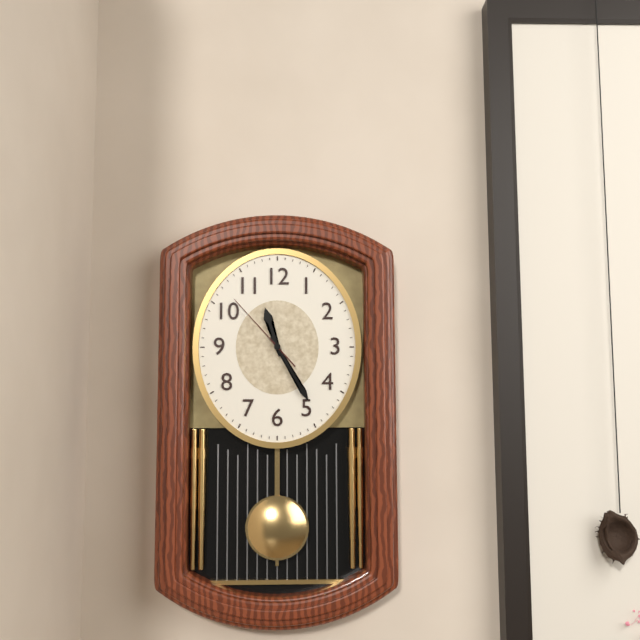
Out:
11,25,53
